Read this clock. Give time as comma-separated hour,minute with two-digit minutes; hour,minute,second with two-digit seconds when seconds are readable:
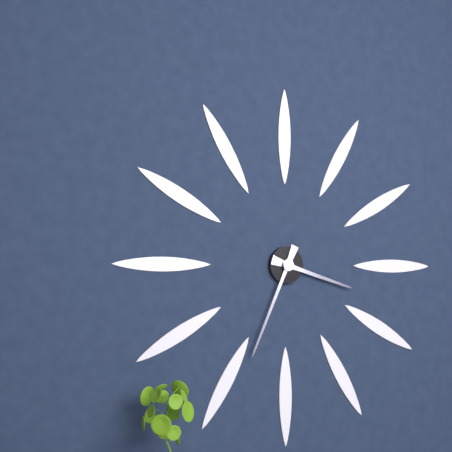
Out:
3,34
